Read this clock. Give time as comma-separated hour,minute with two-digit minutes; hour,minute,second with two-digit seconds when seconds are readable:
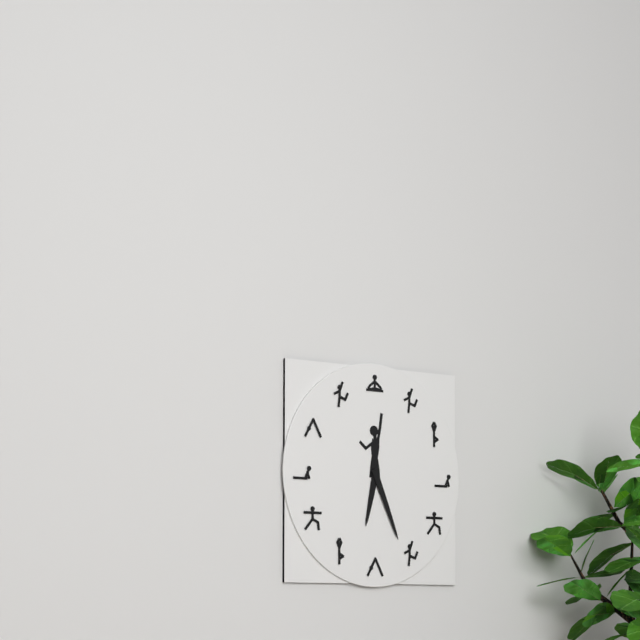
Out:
6,26
